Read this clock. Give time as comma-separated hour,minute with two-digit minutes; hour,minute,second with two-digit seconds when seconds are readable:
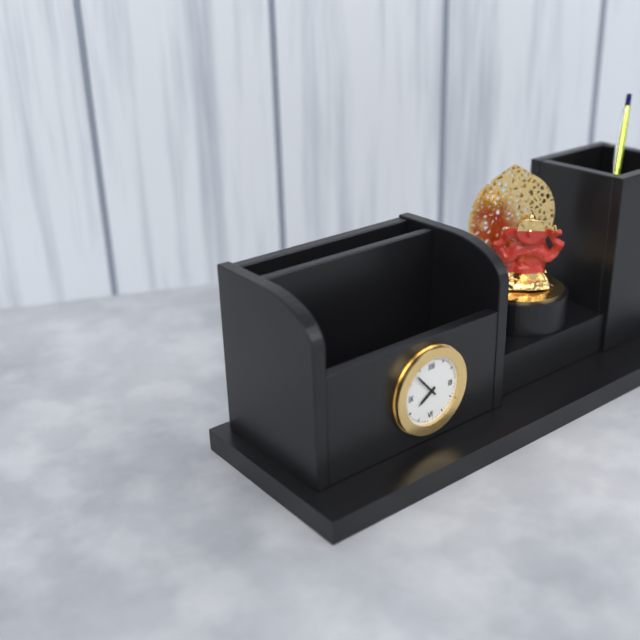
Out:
7,53
